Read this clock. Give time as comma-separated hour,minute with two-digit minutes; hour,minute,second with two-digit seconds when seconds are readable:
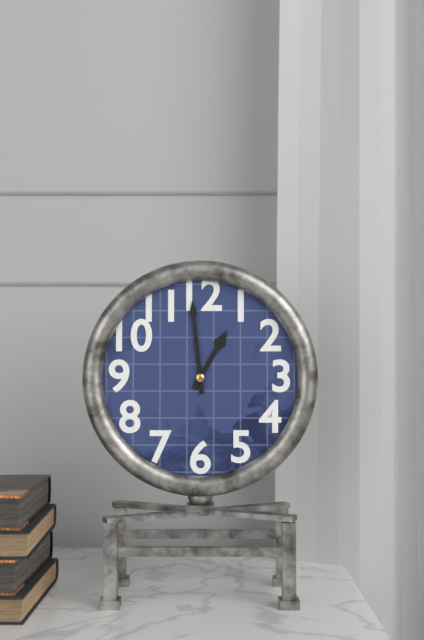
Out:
12,59
